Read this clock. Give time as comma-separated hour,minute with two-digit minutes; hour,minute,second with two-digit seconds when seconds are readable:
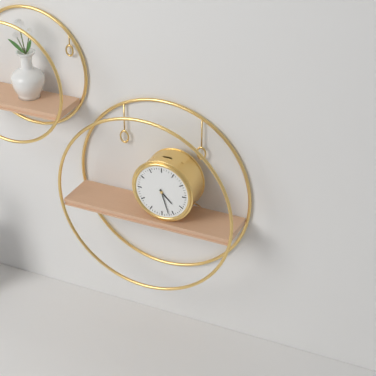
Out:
4,27
